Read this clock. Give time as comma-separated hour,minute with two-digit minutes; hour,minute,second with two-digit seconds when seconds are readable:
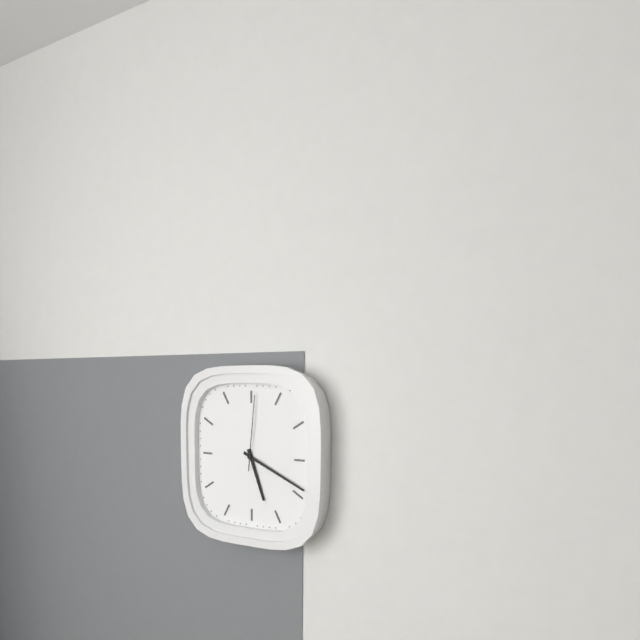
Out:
5,19,01
